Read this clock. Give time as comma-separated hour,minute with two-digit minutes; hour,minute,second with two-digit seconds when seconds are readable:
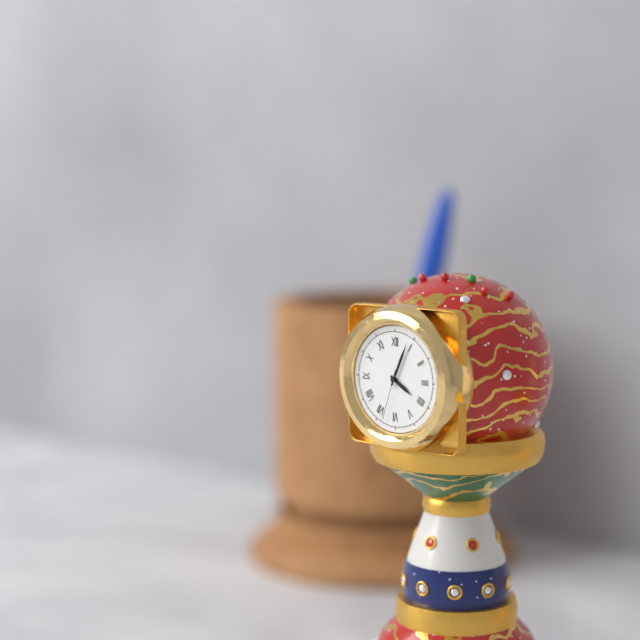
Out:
4,04,33
